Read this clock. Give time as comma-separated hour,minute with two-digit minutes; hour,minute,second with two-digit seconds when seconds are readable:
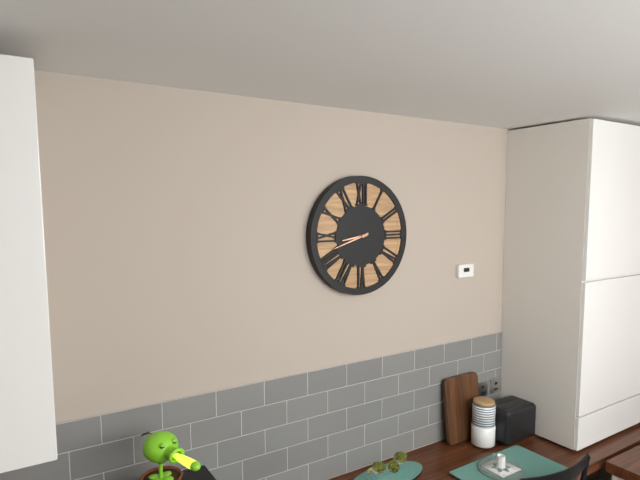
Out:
8,42
